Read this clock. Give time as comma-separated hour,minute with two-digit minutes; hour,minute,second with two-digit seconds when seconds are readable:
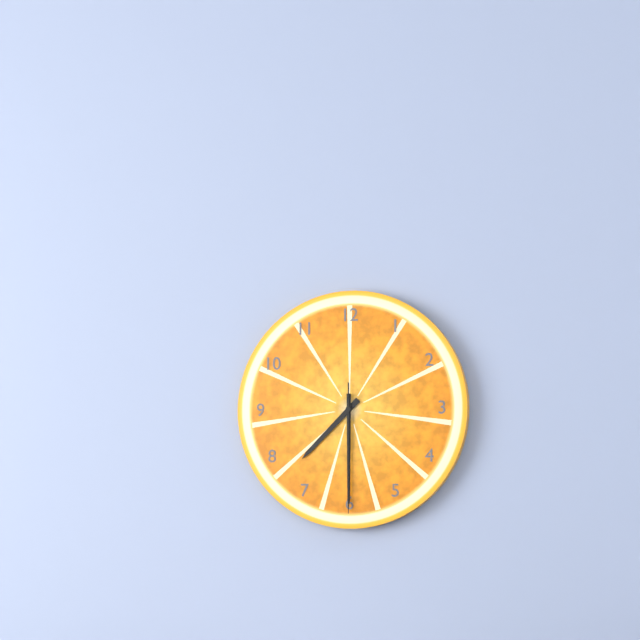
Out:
7,30,30
